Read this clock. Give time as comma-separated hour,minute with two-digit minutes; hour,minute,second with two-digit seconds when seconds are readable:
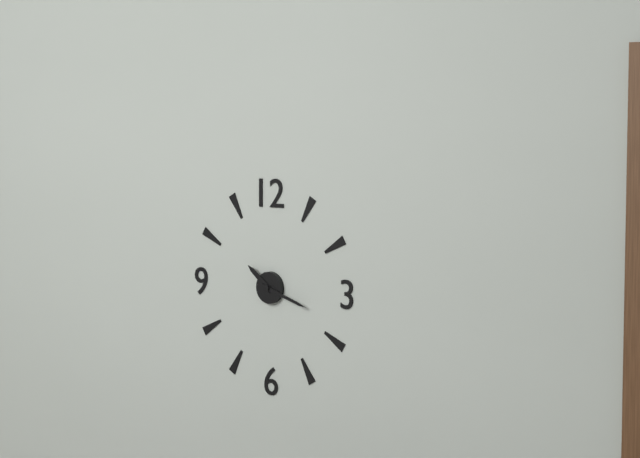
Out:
10,18
